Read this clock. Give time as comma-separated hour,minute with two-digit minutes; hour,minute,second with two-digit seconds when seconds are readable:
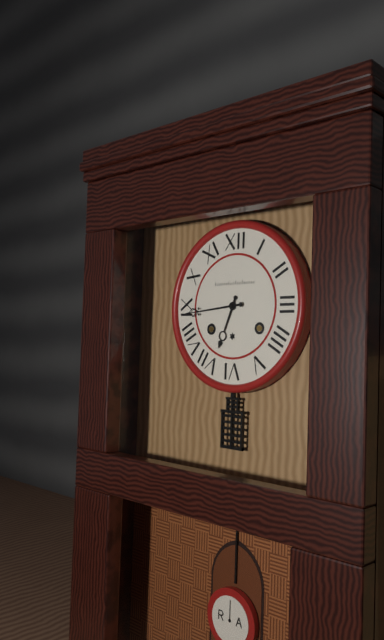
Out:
6,44
